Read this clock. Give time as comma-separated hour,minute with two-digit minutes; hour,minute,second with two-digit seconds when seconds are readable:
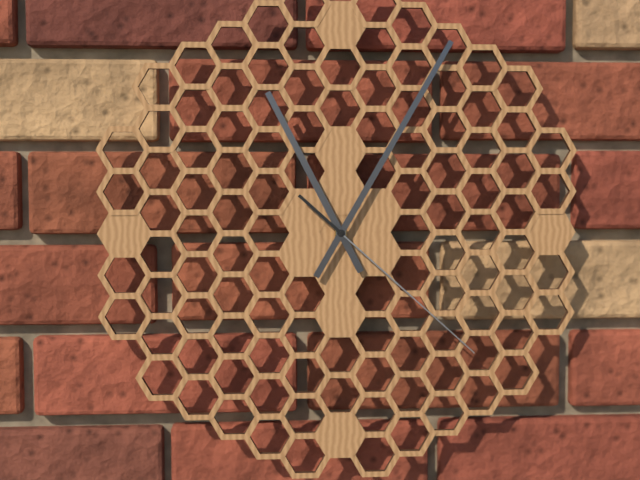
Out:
11,05,22
